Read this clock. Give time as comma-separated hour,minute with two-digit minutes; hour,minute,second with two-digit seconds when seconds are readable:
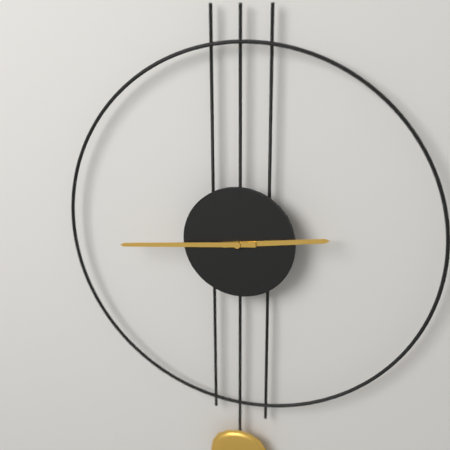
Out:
2,44
